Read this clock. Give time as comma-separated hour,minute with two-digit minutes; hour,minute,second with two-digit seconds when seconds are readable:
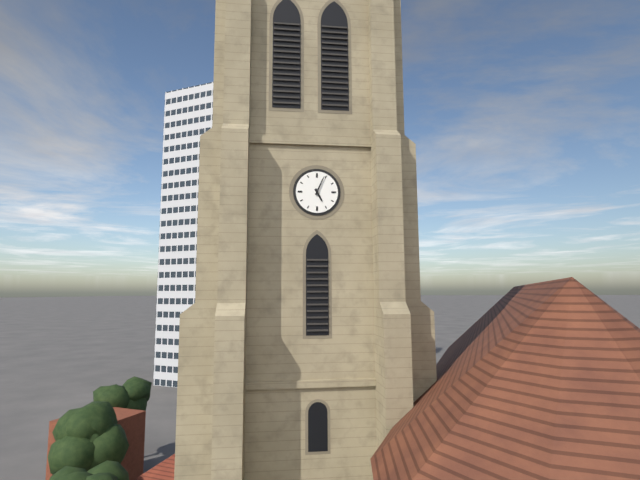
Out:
5,04
